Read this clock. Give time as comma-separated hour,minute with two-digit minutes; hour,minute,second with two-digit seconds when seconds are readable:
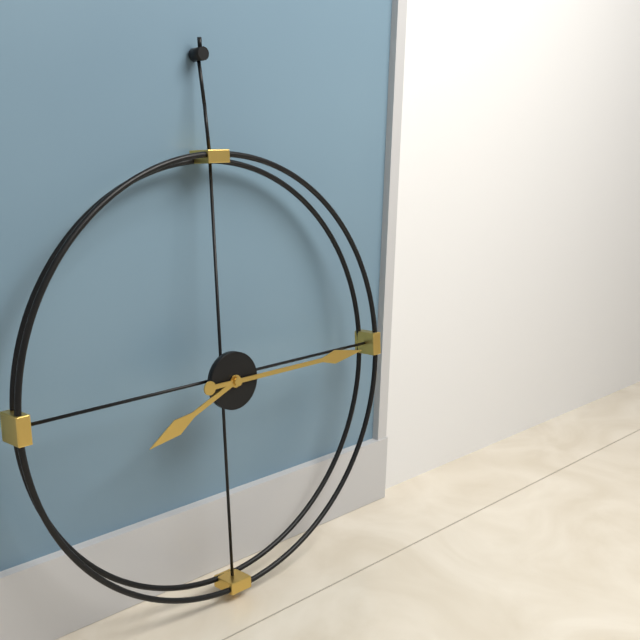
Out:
8,15
